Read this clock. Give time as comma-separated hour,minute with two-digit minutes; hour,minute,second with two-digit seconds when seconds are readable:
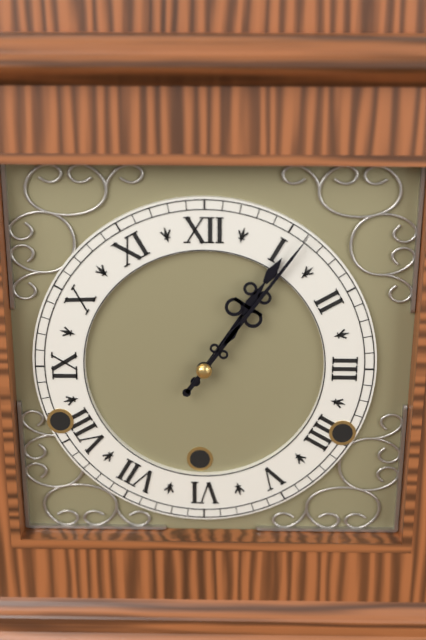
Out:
1,06
